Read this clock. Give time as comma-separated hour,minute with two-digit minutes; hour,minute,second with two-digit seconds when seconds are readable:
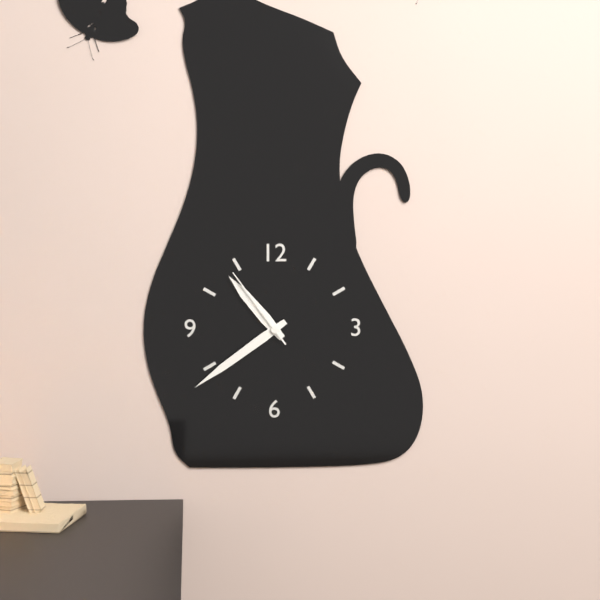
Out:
10,39,54
